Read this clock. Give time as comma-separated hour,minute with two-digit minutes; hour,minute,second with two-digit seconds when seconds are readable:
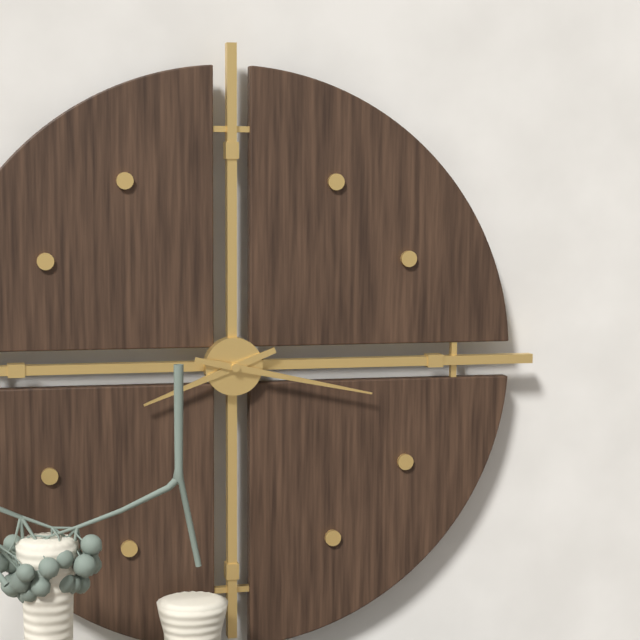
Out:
8,17
